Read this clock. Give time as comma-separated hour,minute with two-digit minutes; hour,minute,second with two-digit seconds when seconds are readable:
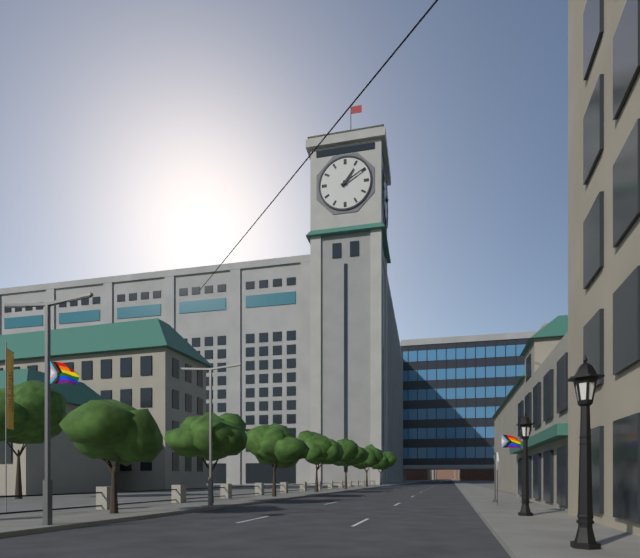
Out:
1,10
